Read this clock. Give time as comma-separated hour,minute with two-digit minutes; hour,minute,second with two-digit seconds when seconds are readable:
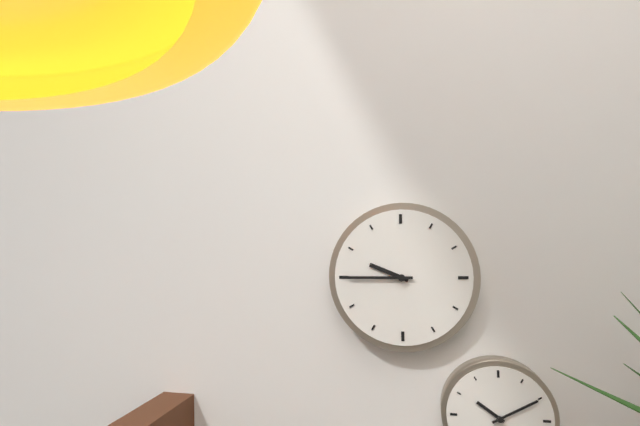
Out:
9,45
